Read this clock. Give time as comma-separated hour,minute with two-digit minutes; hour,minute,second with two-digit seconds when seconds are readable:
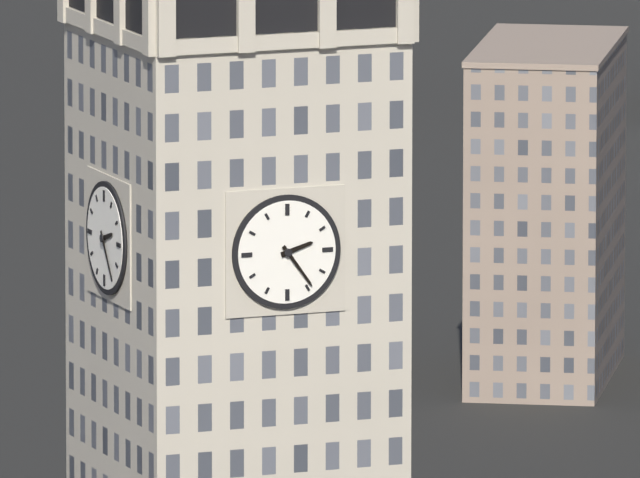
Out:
2,24
